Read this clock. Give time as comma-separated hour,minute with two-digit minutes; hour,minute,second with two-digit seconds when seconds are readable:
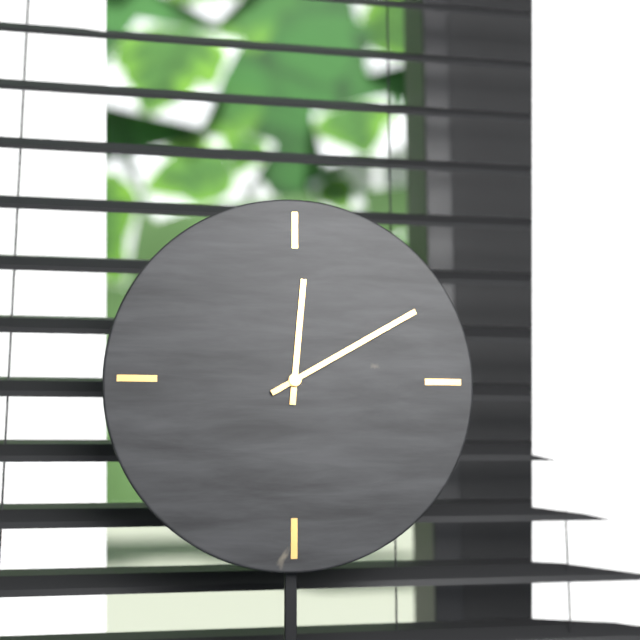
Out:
12,10
